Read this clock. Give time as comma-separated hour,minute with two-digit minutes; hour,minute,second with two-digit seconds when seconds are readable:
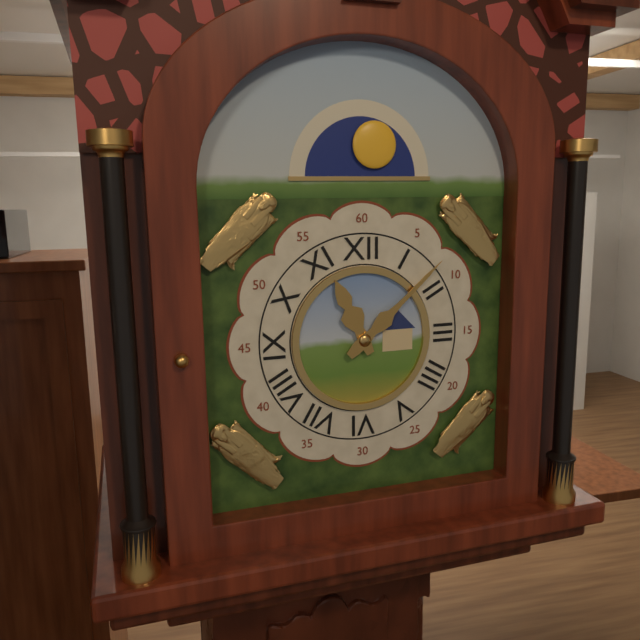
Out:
11,08
